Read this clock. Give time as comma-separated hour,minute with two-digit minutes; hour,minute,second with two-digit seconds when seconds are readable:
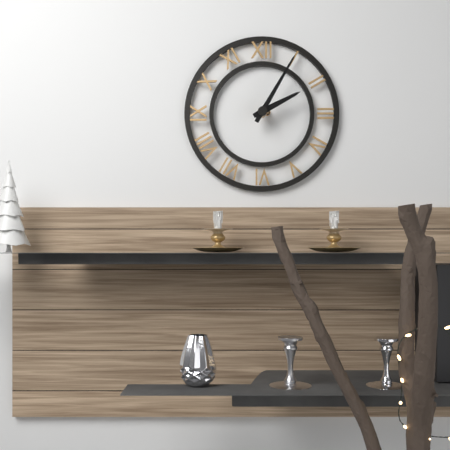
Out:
2,05
